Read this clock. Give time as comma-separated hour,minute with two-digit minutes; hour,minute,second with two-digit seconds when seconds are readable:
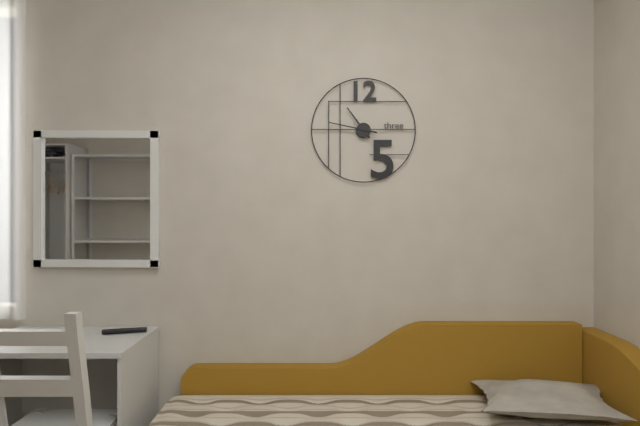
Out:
10,47
